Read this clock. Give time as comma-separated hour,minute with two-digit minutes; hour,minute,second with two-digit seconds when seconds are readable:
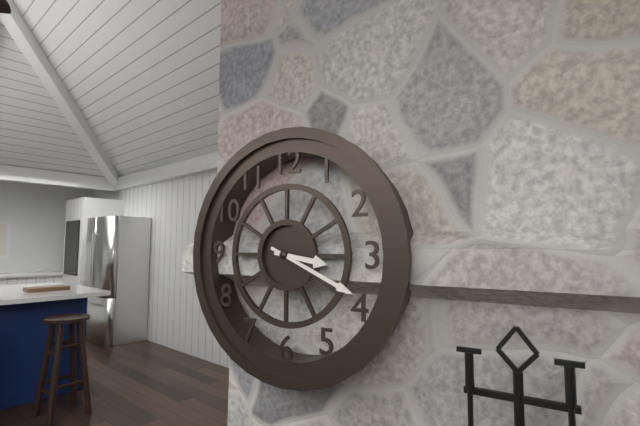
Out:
3,19
